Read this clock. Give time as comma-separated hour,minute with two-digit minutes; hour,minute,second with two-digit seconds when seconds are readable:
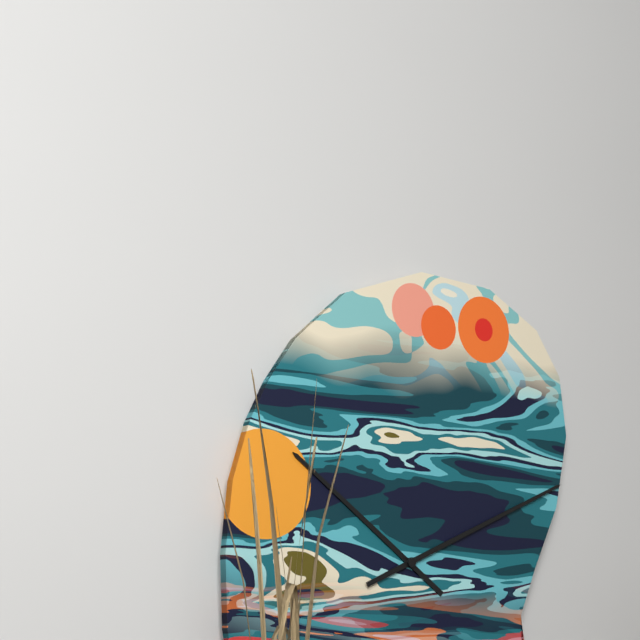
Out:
10,11
